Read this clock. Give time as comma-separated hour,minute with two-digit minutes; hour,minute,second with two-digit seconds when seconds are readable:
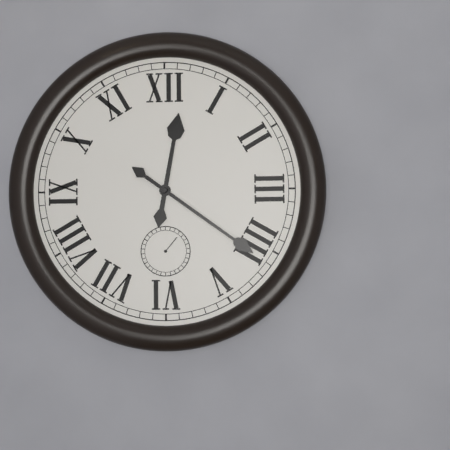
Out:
12,21
